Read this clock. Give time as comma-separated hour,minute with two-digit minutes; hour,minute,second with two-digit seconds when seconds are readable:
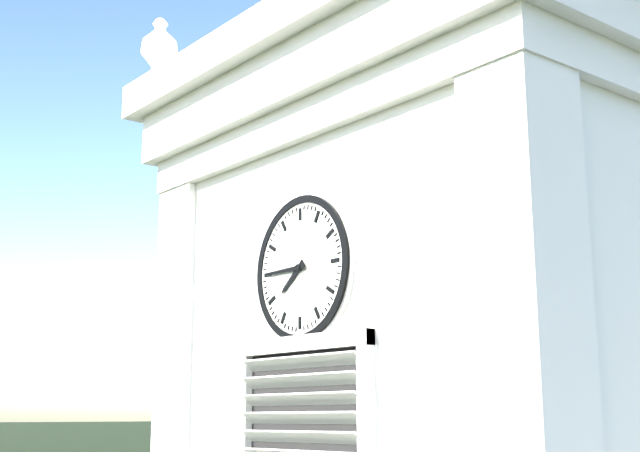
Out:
7,45
